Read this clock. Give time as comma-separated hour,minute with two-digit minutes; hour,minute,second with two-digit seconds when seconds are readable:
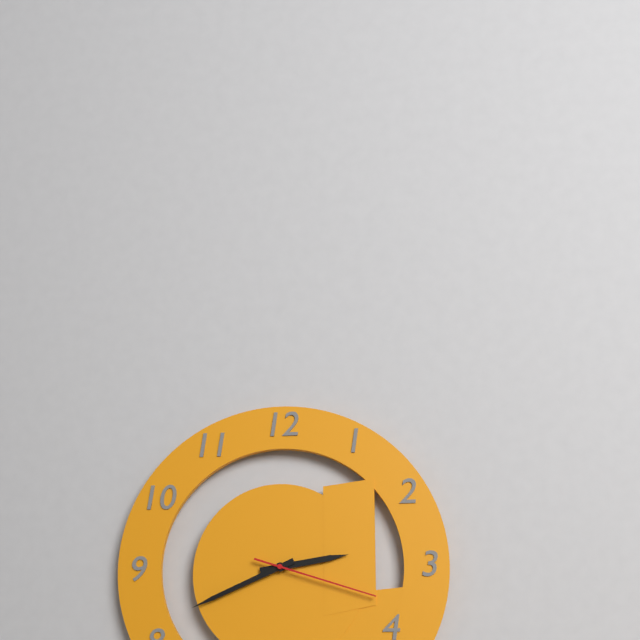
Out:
2,41,18
